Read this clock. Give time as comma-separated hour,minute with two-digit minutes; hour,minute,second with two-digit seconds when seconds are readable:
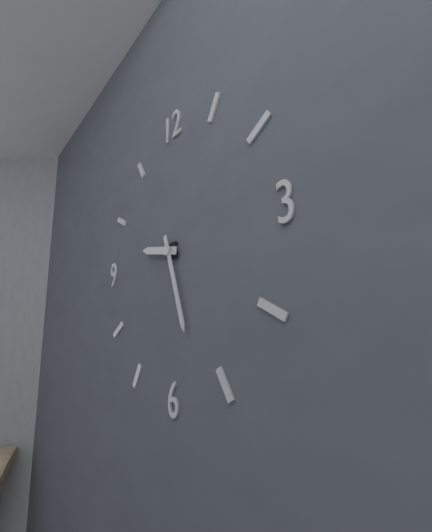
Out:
9,27
